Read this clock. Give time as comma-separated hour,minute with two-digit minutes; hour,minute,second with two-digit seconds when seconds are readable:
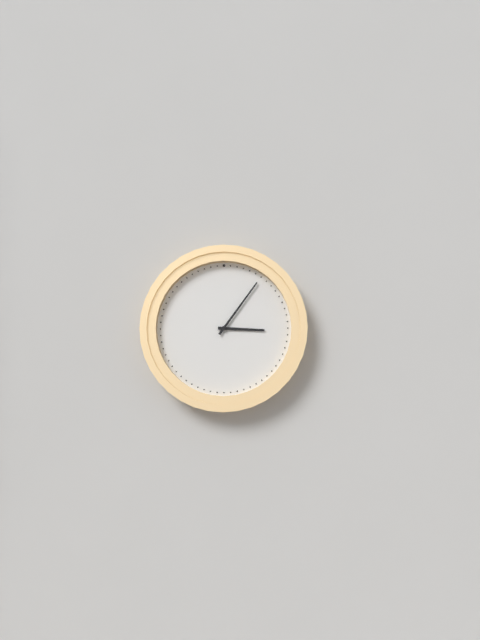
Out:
3,06
